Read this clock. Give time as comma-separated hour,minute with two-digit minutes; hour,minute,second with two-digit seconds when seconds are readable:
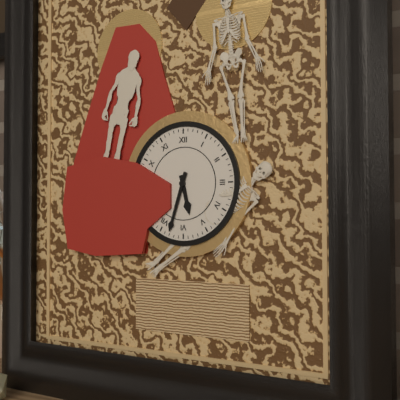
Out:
5,33
